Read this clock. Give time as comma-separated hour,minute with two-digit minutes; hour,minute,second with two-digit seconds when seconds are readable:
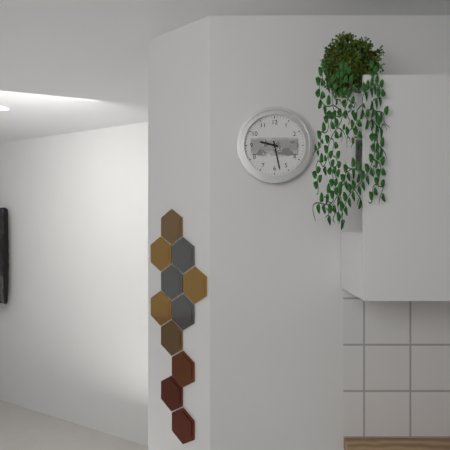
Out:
9,28
